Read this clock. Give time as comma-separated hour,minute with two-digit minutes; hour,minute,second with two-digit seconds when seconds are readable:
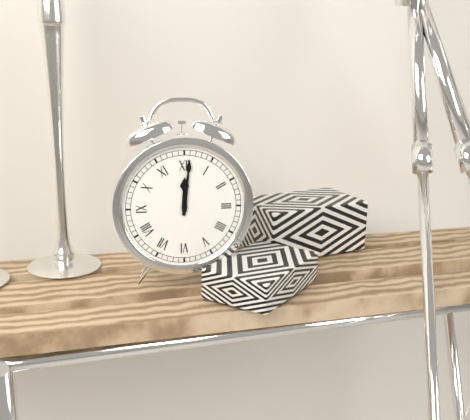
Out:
12,01
